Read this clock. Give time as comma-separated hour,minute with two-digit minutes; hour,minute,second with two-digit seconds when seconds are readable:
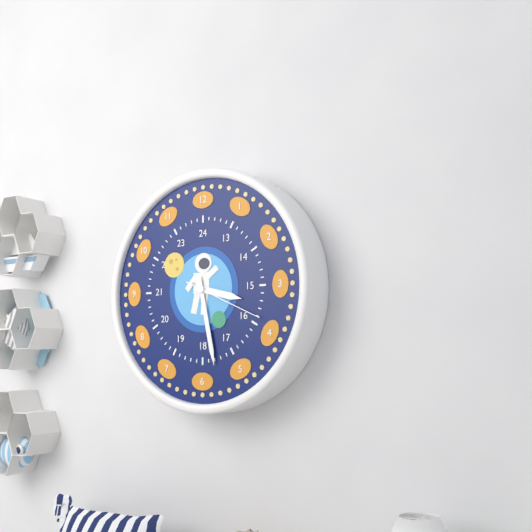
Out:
3,28,19
